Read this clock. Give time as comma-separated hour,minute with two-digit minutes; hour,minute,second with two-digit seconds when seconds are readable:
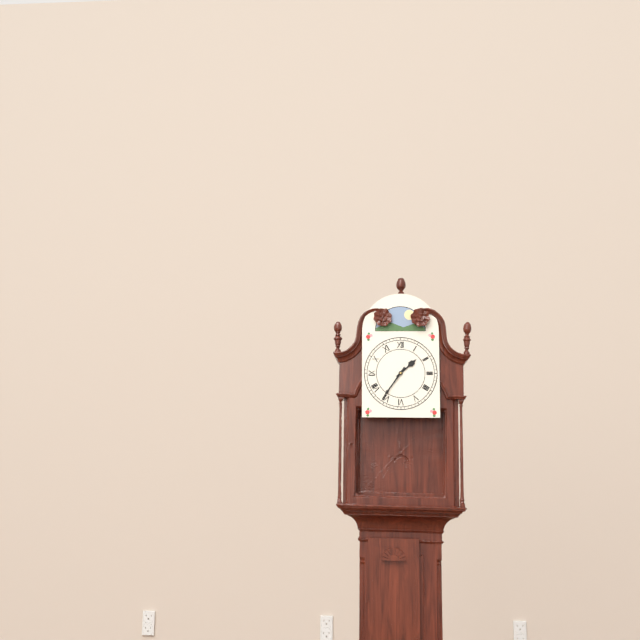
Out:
1,36
